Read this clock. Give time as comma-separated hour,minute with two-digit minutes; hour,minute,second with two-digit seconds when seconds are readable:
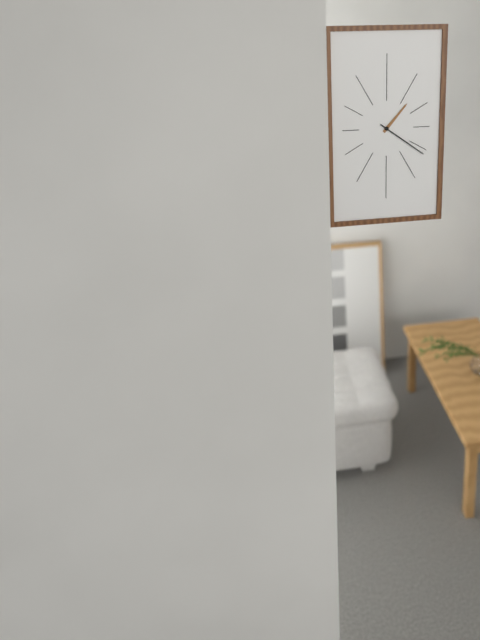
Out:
1,21
